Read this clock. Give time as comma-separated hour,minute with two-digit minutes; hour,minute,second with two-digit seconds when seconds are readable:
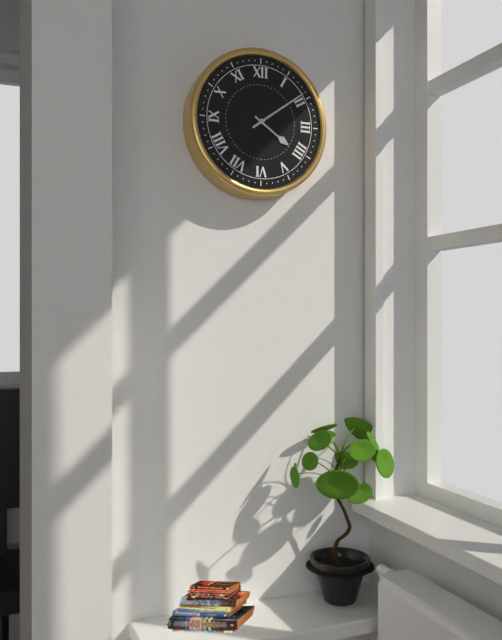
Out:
4,09
